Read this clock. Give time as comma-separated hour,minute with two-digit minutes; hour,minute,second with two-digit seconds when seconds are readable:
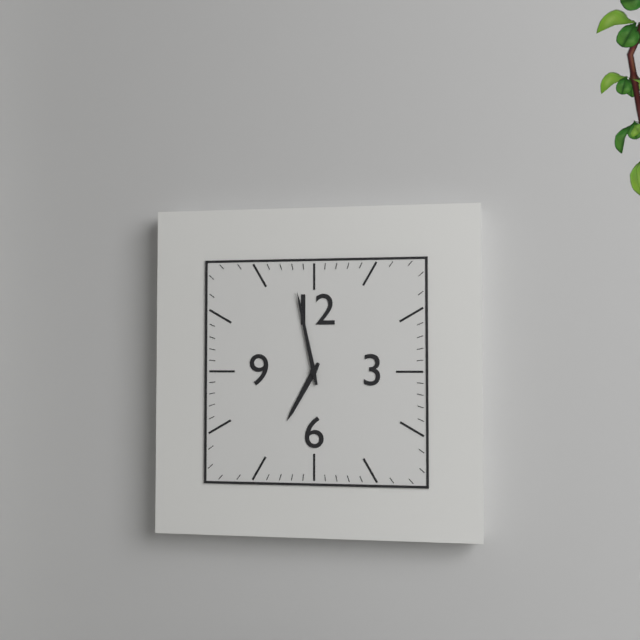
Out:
6,58
